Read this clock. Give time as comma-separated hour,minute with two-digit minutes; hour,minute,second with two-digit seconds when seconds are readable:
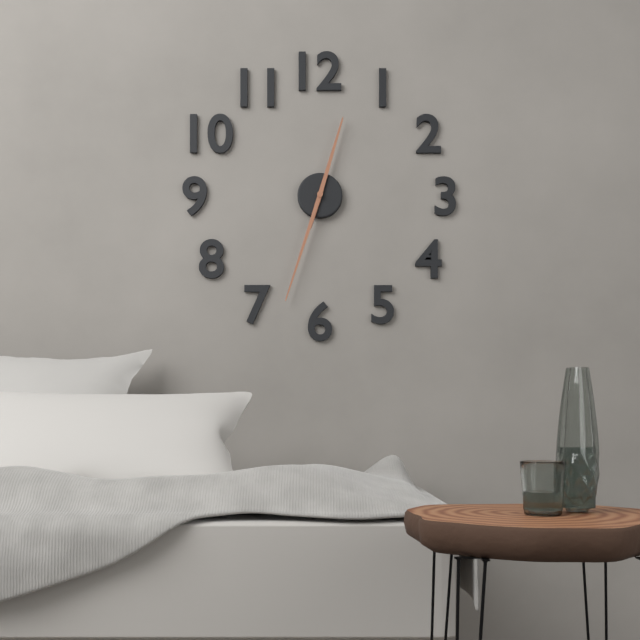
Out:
12,33
